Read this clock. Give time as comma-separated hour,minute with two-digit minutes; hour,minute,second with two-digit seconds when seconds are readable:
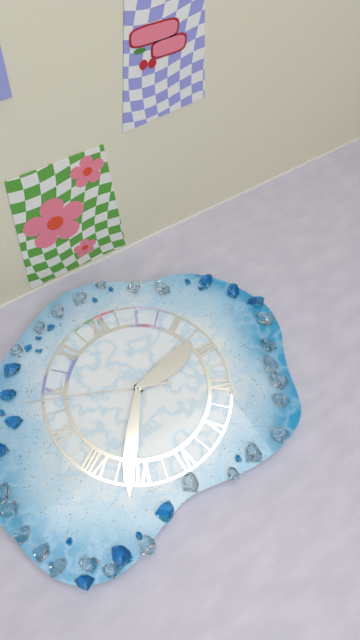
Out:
2,36,49
